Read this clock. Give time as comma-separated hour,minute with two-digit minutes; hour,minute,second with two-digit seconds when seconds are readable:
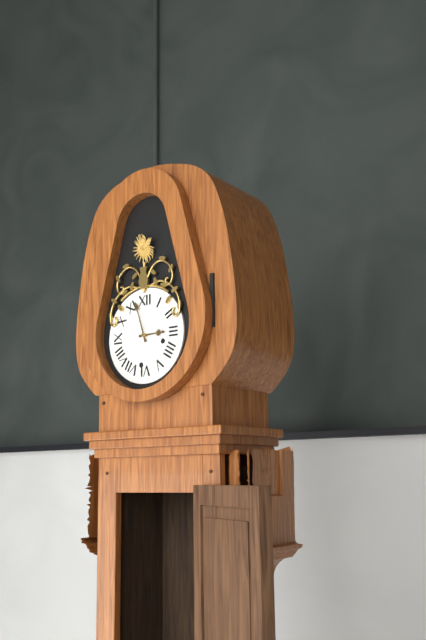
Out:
2,57
